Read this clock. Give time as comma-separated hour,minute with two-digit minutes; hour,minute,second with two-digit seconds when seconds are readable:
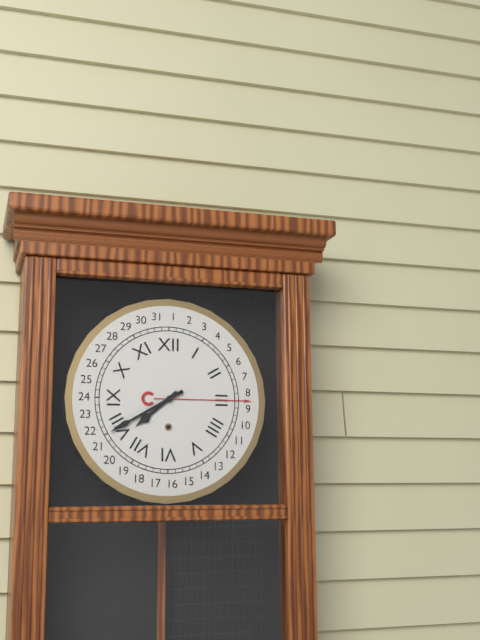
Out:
7,40
